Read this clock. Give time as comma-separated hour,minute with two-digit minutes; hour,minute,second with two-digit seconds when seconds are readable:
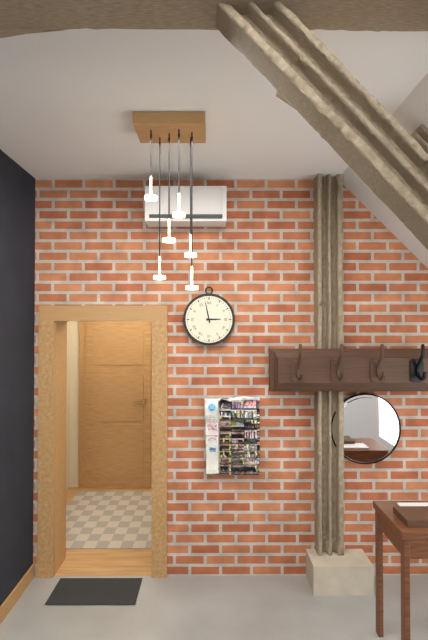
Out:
2,58
